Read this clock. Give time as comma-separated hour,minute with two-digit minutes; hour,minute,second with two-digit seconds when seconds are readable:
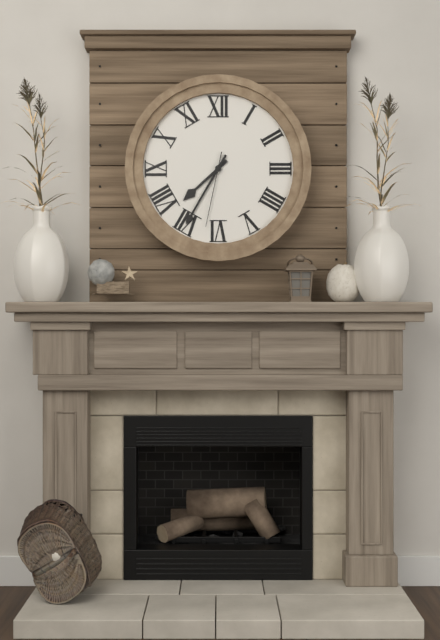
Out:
7,35,32
